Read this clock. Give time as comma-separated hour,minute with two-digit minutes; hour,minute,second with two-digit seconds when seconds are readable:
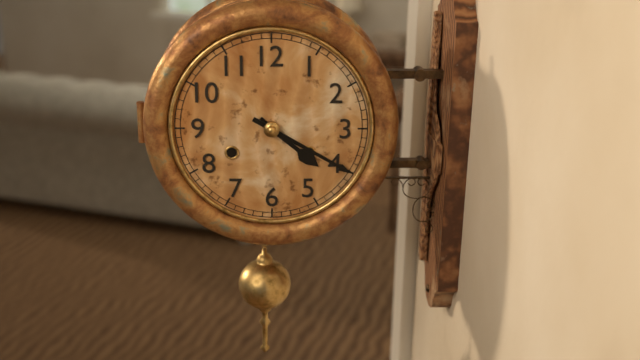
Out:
4,20
